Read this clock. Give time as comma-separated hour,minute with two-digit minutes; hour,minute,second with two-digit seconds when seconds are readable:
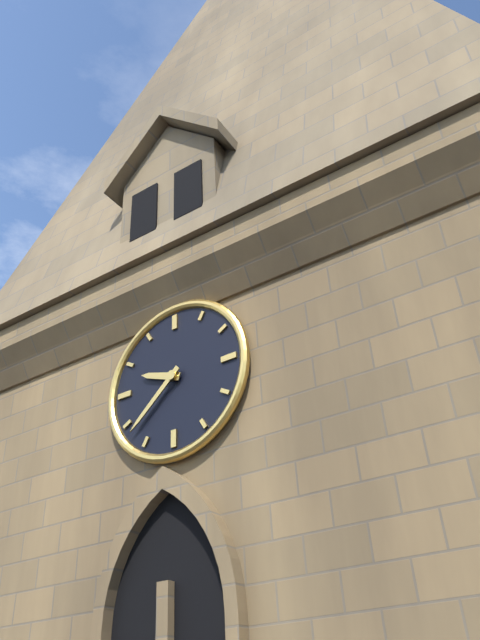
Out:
9,38
